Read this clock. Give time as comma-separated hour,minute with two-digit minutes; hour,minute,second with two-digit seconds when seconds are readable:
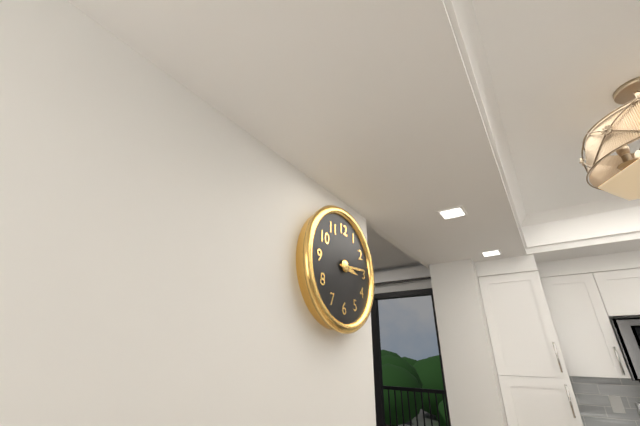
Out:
3,14
